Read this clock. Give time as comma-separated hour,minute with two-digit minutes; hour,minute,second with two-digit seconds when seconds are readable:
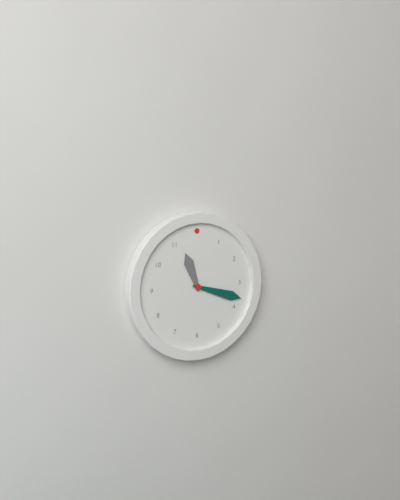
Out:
11,18
